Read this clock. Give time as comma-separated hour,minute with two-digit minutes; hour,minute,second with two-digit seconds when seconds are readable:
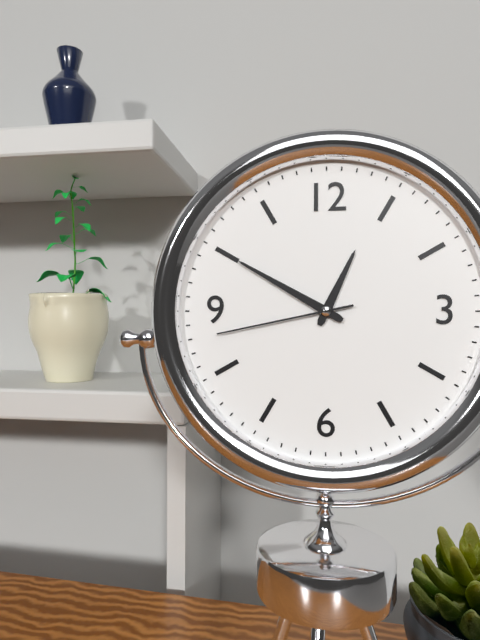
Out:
12,50,43
